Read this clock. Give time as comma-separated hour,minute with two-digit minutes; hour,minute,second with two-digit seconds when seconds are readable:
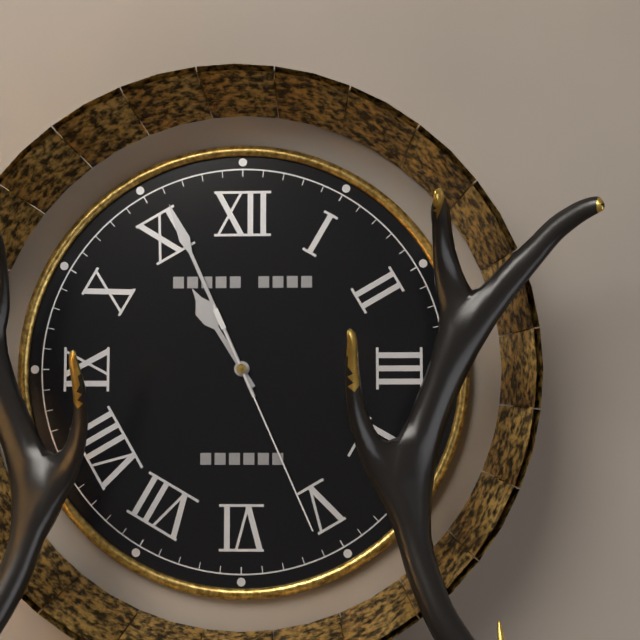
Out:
10,56,26
